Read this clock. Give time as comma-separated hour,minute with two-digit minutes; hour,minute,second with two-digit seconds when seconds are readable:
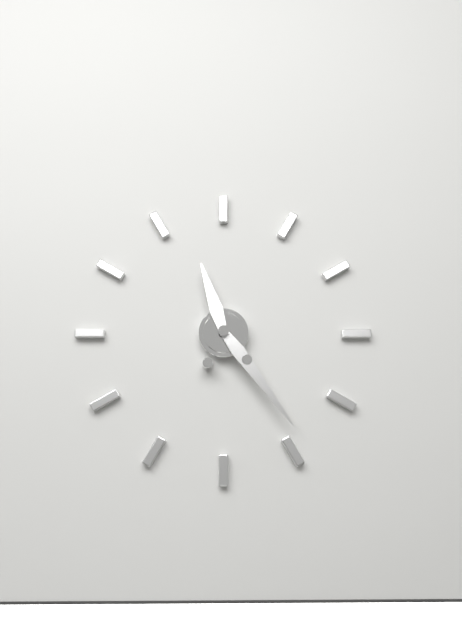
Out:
11,24
